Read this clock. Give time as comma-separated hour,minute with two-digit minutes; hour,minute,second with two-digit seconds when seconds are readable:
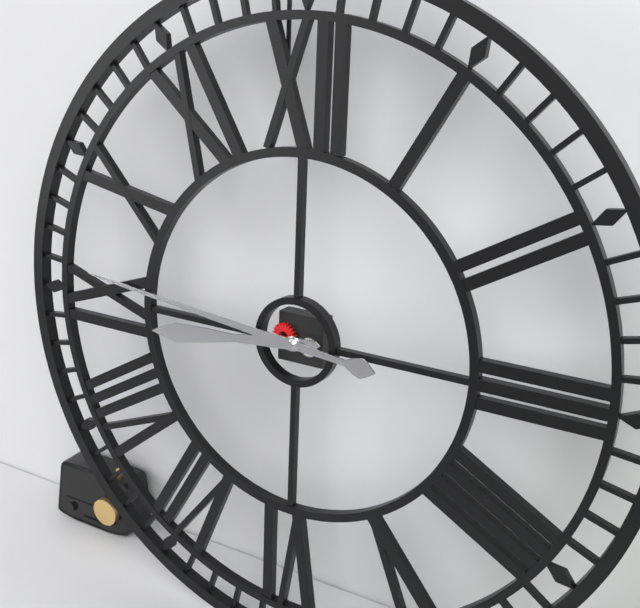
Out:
8,46
